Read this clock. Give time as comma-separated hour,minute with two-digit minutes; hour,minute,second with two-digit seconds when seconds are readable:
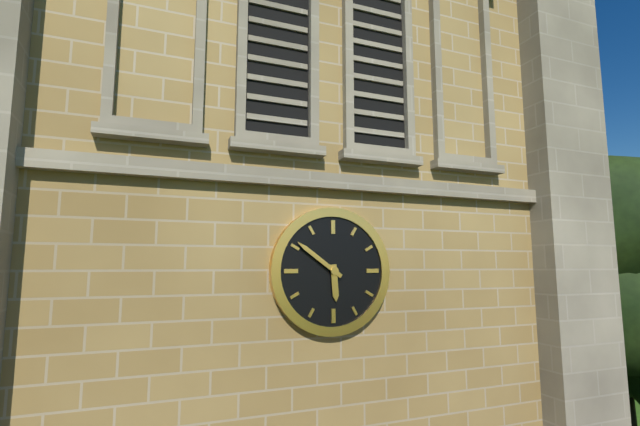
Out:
5,51
